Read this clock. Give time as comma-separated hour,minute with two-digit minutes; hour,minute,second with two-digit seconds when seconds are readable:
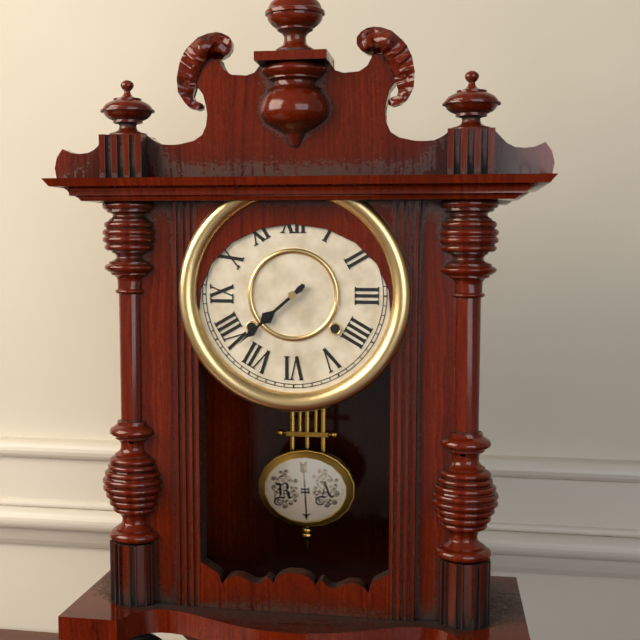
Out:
7,38
